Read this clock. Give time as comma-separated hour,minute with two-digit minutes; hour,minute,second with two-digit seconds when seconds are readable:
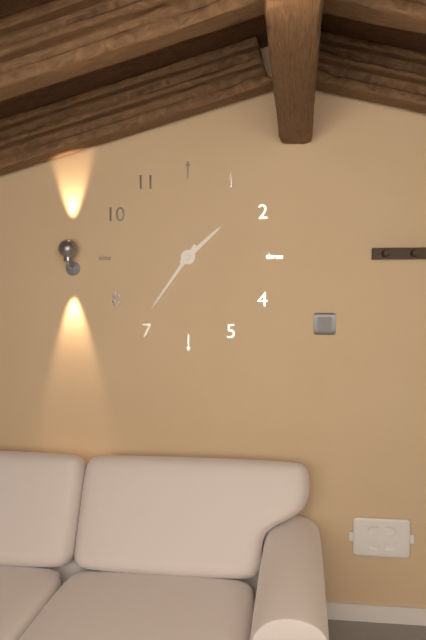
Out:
1,36
